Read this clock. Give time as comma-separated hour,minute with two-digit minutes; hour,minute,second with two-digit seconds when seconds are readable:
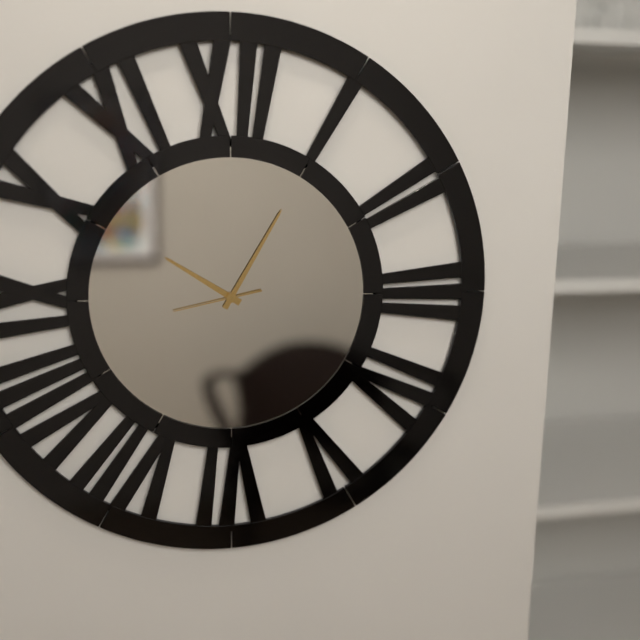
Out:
10,05,43
